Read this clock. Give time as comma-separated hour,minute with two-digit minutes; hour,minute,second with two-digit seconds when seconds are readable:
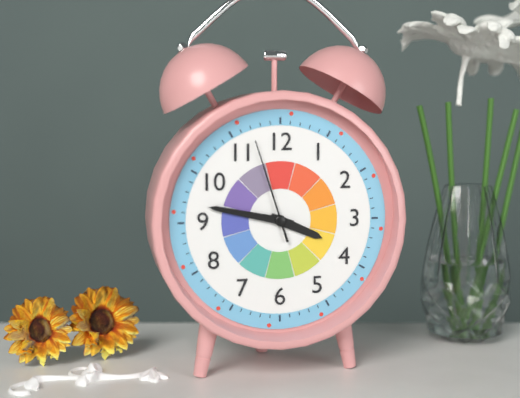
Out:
3,47,57
